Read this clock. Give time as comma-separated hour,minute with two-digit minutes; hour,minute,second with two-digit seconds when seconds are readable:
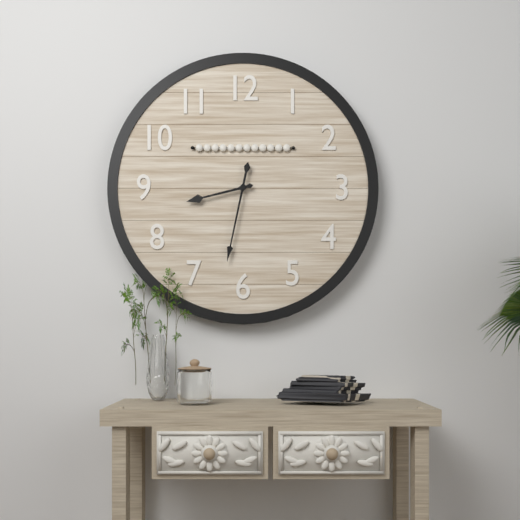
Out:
8,32
